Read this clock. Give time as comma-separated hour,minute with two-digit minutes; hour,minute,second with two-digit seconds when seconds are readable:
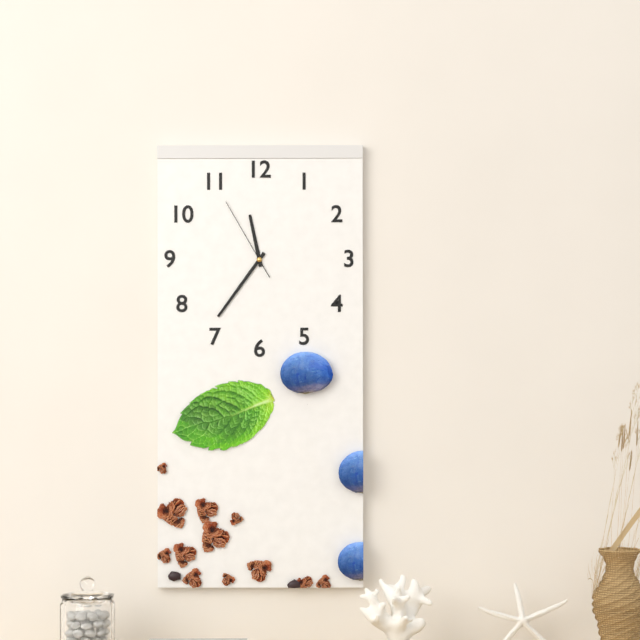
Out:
11,36,55
